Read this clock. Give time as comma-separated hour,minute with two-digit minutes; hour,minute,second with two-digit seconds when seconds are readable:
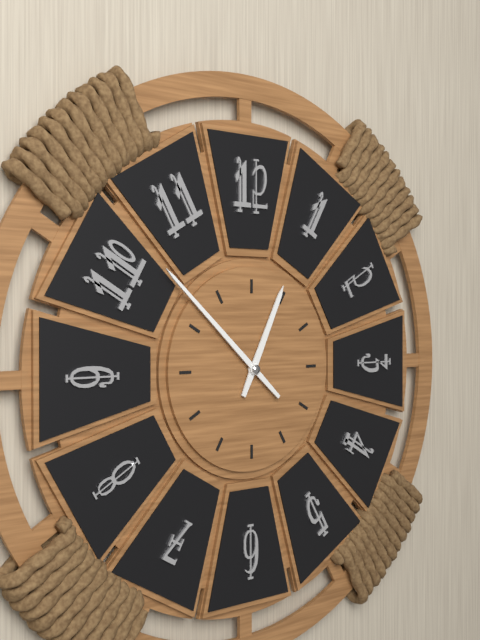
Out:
12,52
